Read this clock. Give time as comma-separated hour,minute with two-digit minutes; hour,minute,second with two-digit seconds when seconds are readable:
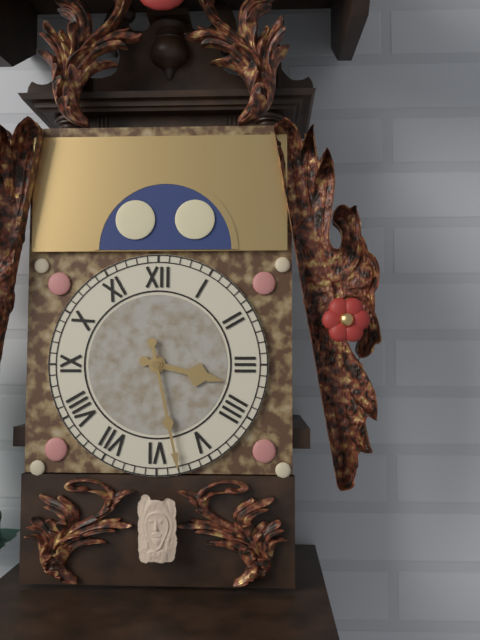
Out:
3,28
